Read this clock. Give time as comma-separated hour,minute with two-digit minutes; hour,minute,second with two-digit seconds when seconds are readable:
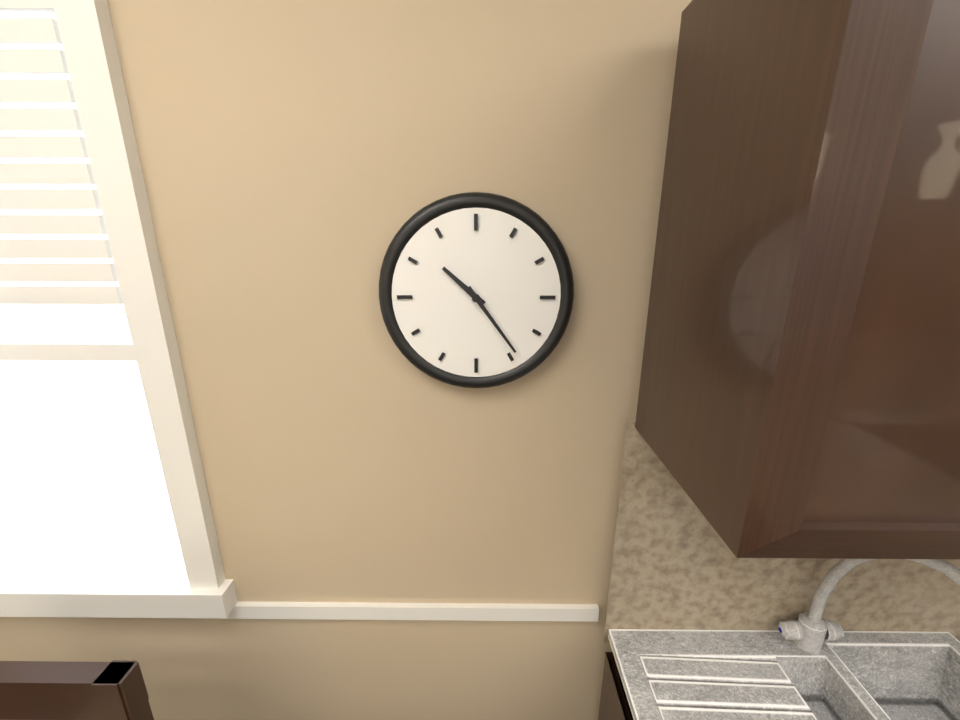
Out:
10,24
